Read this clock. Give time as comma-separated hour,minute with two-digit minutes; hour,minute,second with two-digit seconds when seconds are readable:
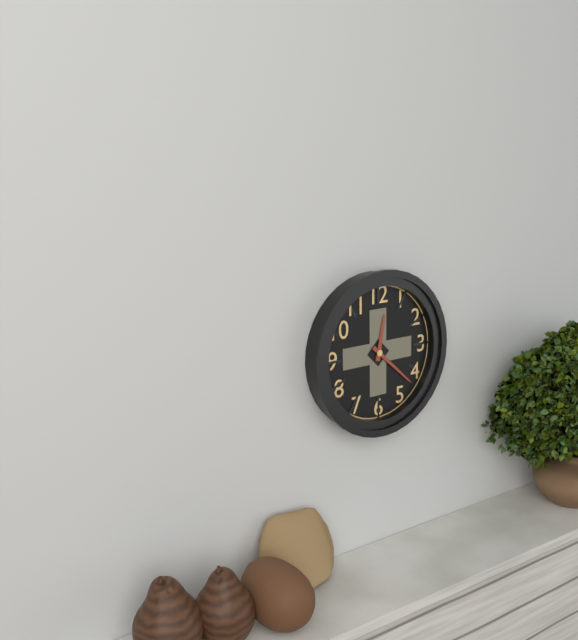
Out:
12,22
